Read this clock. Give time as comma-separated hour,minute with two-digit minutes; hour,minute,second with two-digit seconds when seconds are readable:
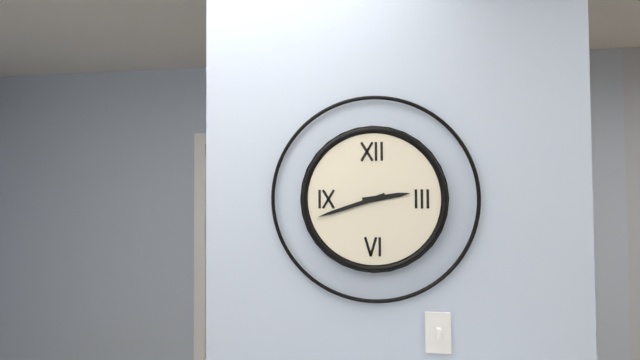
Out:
2,42
